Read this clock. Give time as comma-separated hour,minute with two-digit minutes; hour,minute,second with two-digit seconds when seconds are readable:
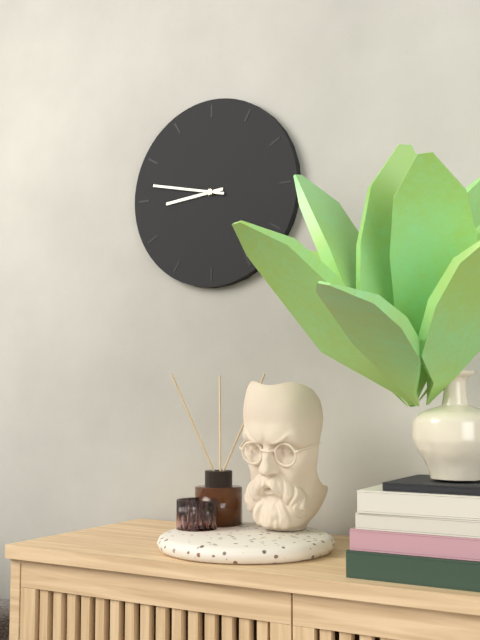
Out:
8,47
